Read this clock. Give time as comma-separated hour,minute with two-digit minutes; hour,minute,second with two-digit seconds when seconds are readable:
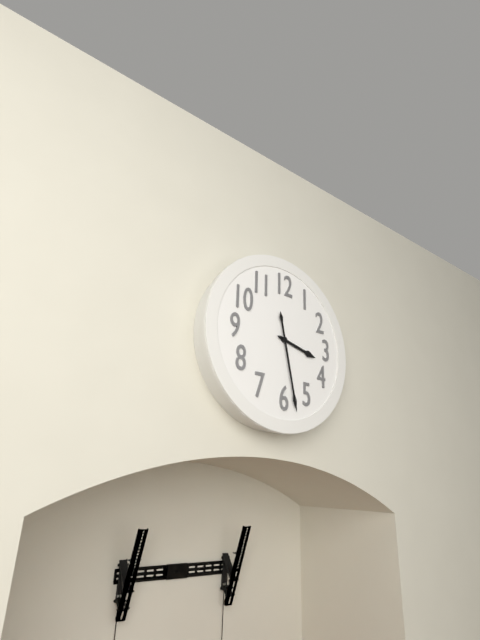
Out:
3,28
